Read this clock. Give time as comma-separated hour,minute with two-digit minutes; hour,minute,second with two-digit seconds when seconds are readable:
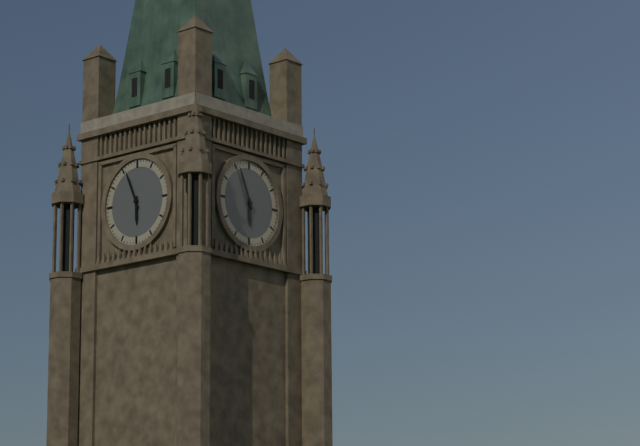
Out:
5,56
